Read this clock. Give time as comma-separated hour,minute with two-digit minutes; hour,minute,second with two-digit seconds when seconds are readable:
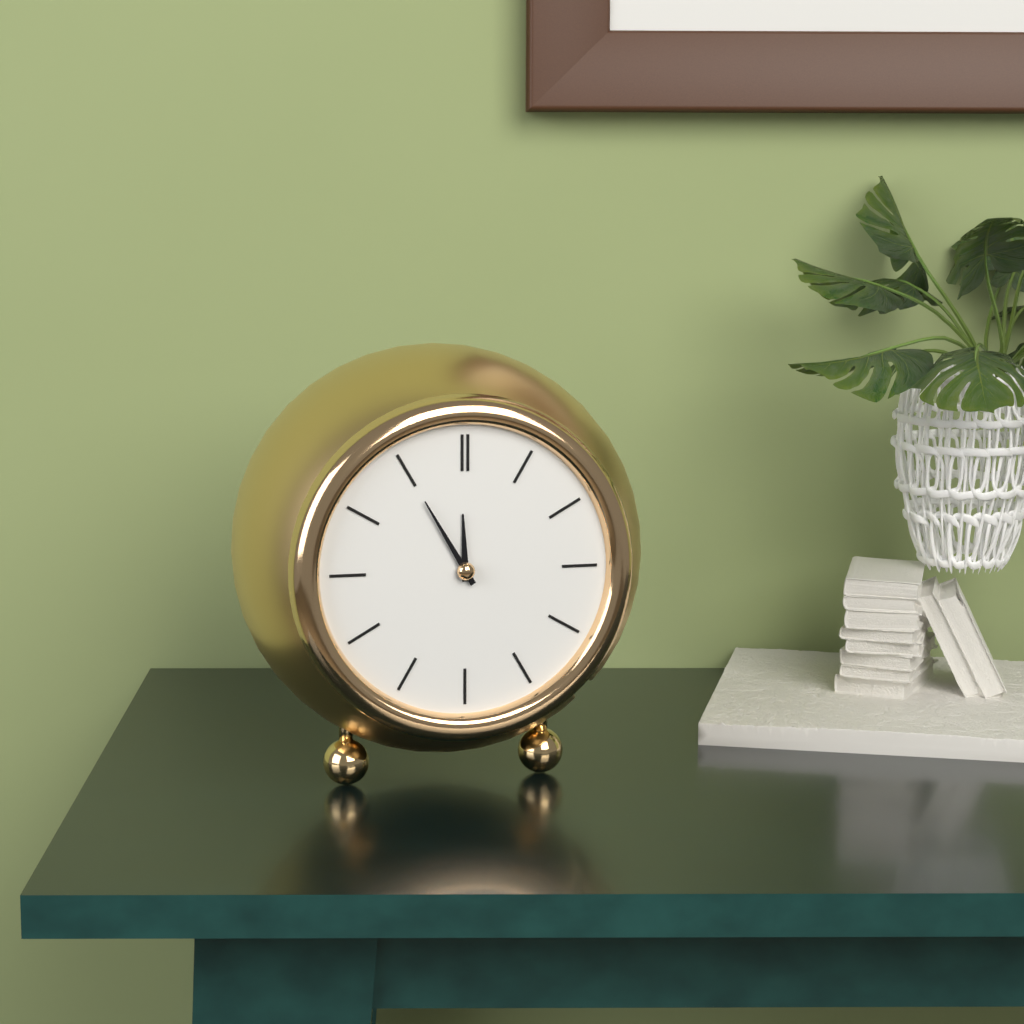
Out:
11,55
